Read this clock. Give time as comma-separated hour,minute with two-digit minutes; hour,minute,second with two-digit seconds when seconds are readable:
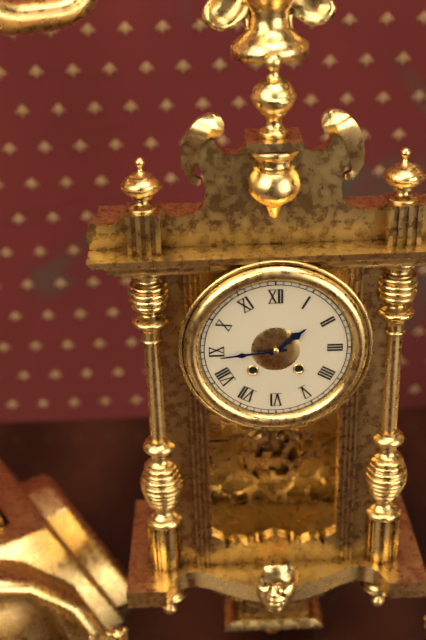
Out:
1,44
